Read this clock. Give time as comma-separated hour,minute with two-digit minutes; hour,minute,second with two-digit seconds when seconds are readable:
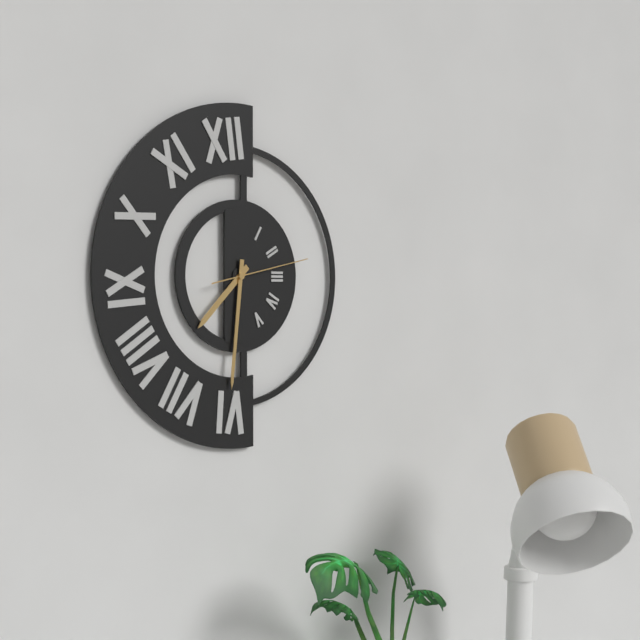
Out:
7,31,13
